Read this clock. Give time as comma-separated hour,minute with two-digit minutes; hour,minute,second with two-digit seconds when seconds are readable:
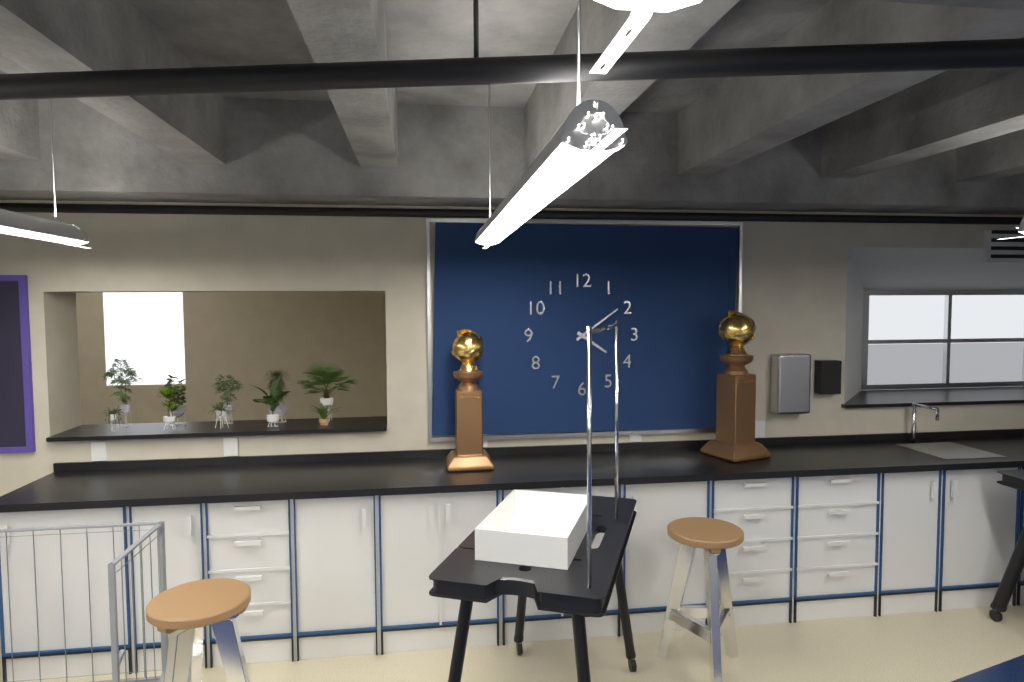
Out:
4,09
